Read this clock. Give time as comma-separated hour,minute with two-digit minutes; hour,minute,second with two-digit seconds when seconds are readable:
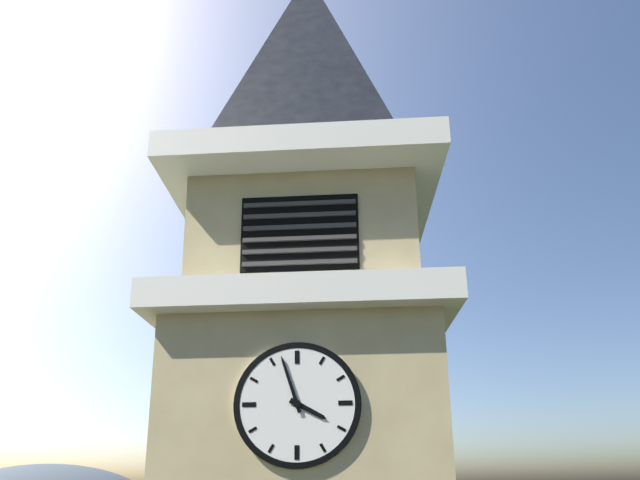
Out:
3,57
